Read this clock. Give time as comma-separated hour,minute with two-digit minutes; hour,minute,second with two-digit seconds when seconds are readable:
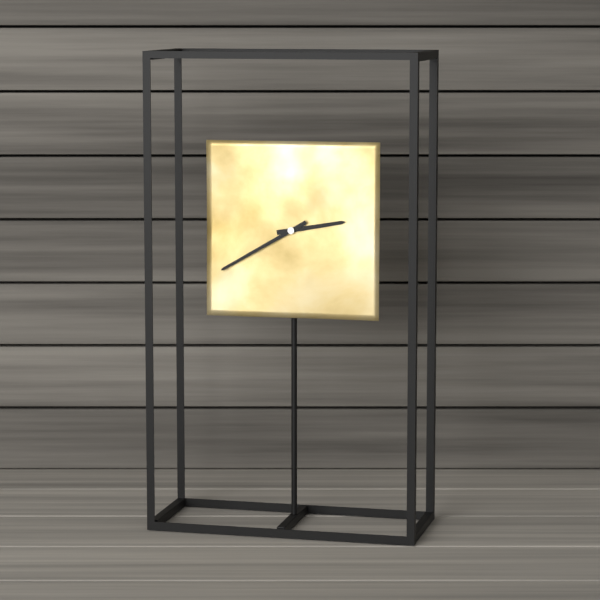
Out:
2,40
